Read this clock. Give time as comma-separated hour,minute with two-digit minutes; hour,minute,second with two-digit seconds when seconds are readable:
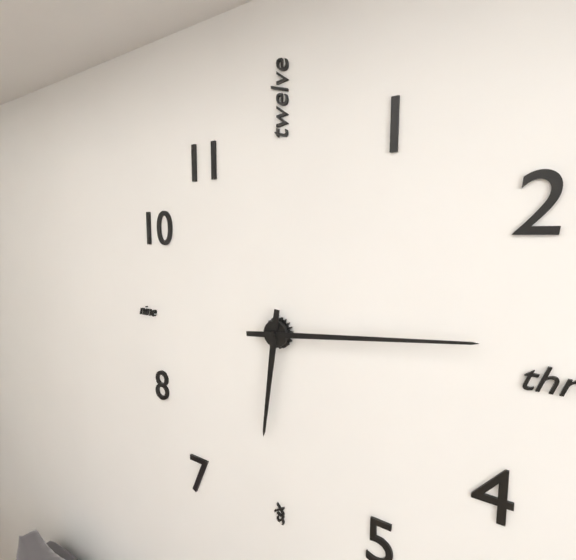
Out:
6,14
